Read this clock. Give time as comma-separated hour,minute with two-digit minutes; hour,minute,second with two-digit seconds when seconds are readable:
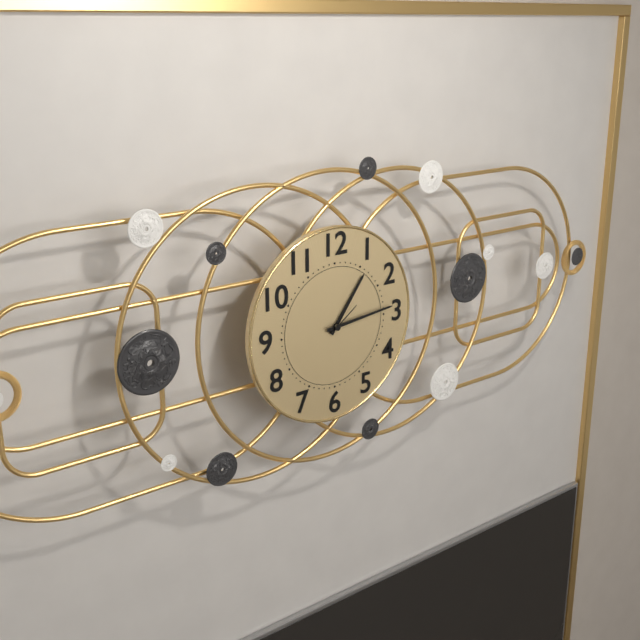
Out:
1,14
